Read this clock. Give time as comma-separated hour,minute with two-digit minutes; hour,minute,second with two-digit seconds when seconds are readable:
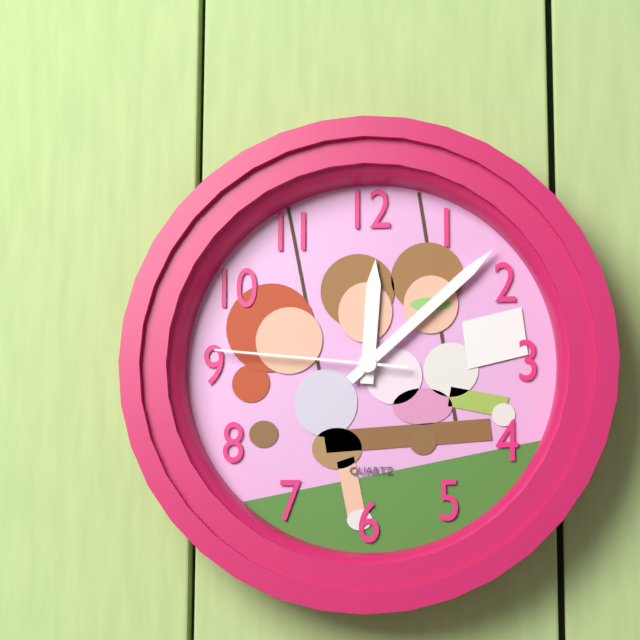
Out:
12,08,46
